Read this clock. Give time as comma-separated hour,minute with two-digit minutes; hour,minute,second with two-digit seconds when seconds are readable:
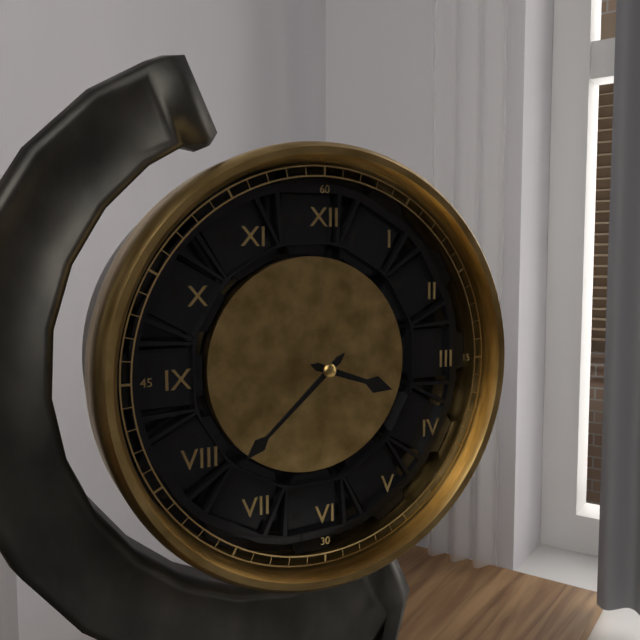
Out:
3,38
